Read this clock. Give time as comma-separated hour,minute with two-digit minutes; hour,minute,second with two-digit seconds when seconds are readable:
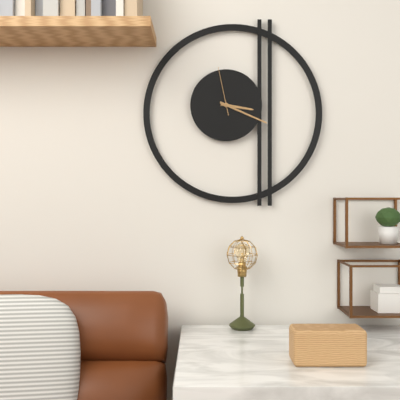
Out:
3,19
